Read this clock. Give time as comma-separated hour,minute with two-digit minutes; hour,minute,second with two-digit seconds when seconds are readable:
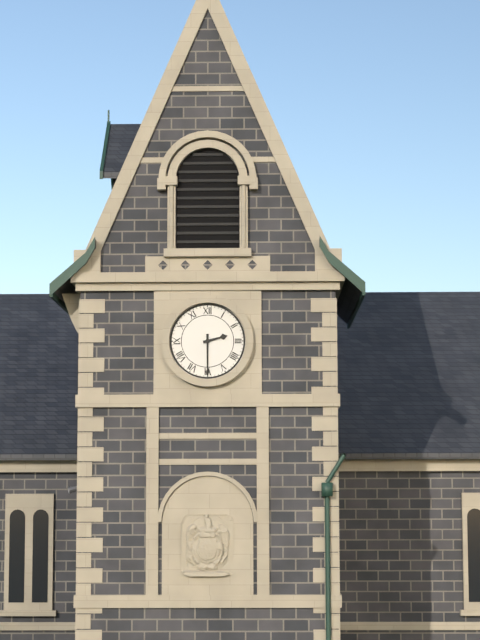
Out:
2,30
